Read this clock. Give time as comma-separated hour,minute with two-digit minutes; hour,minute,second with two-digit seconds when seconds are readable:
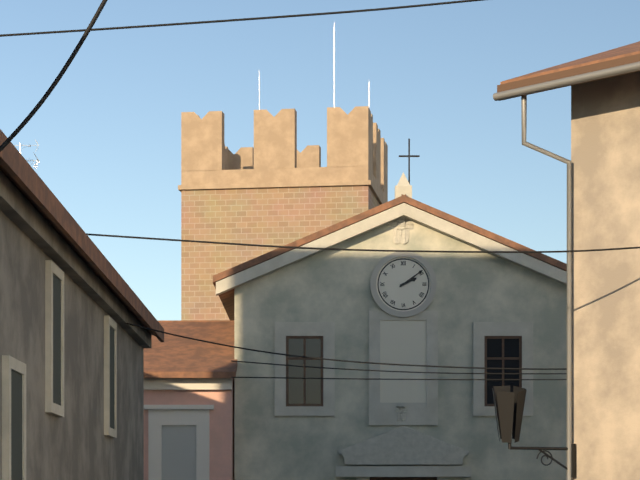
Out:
2,09
